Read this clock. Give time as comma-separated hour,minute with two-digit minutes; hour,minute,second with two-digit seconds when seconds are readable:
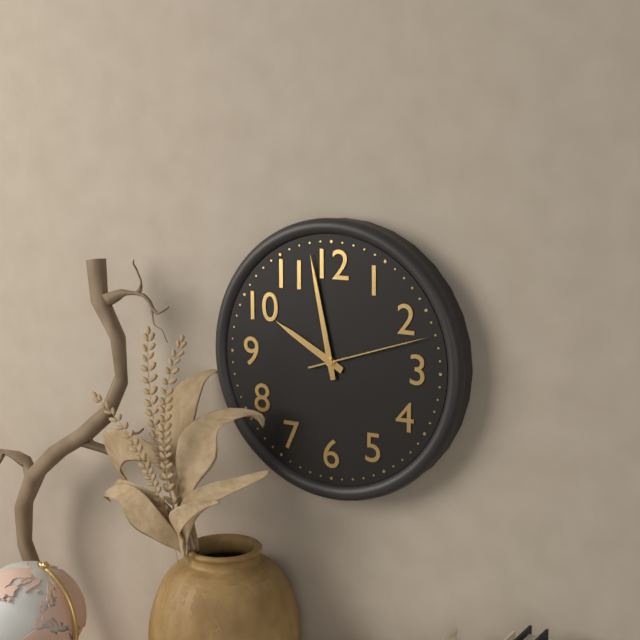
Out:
9,58,12
